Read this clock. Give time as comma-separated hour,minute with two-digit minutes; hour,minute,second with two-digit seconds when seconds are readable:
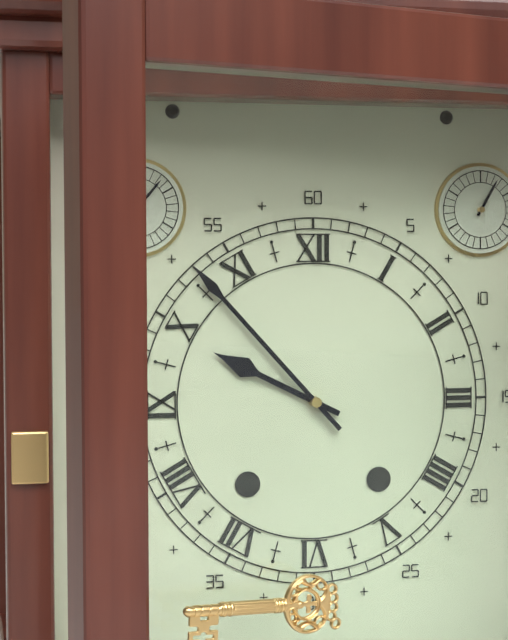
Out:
9,53
